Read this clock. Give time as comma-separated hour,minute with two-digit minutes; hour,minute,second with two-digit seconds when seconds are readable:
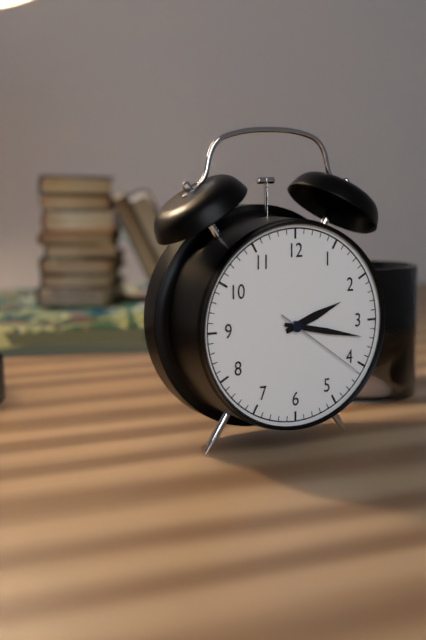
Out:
2,17,21
